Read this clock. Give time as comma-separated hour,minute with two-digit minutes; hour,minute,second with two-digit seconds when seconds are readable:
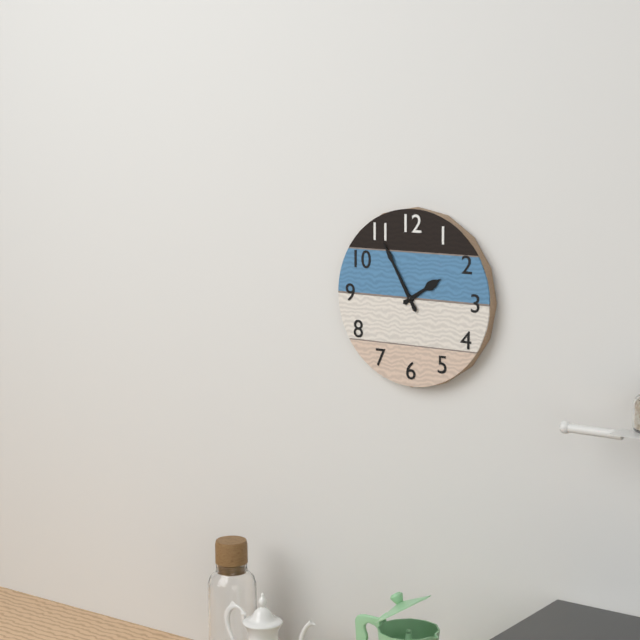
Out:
1,55
